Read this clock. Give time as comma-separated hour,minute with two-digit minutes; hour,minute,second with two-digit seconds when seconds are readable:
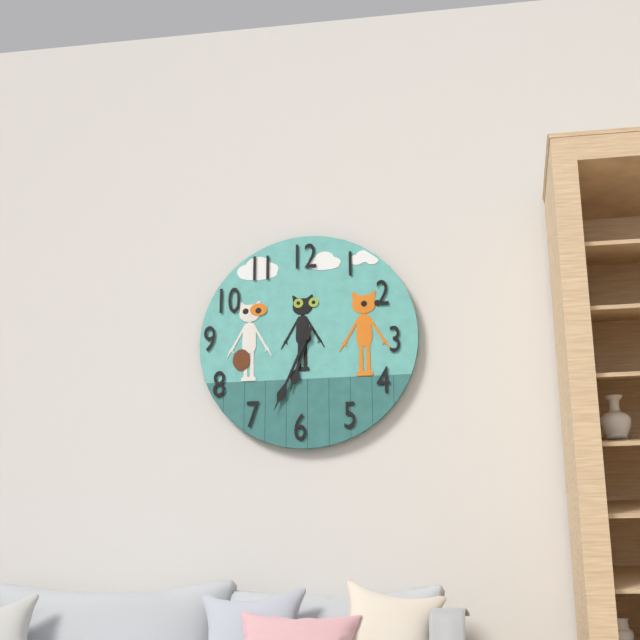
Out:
6,34
